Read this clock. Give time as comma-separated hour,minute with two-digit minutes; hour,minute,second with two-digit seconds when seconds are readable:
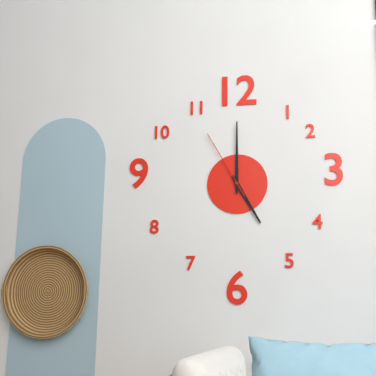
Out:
5,00,55
